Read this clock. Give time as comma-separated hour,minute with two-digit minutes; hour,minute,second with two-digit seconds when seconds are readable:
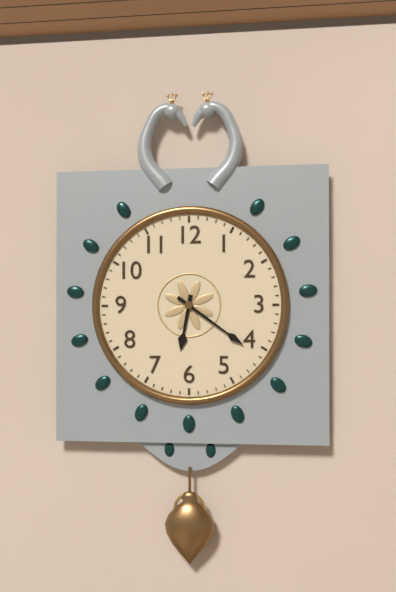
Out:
6,21
